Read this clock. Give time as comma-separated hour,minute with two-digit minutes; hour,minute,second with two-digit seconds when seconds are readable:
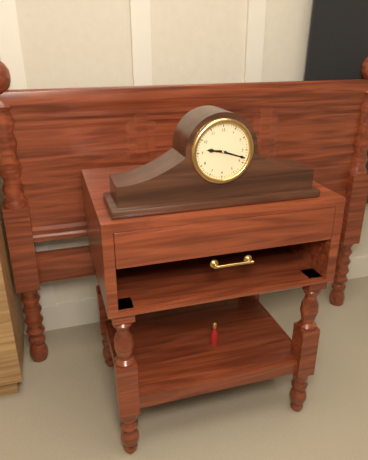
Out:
9,18
